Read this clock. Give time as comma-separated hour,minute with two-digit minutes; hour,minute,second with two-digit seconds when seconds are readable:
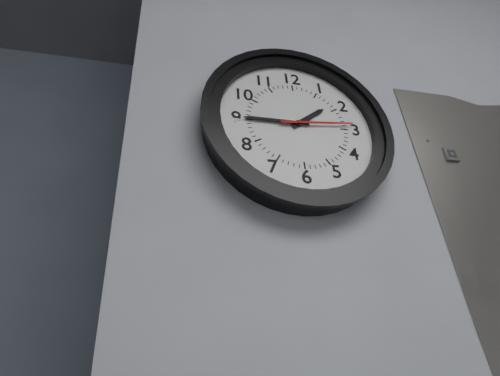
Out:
1,45,14
